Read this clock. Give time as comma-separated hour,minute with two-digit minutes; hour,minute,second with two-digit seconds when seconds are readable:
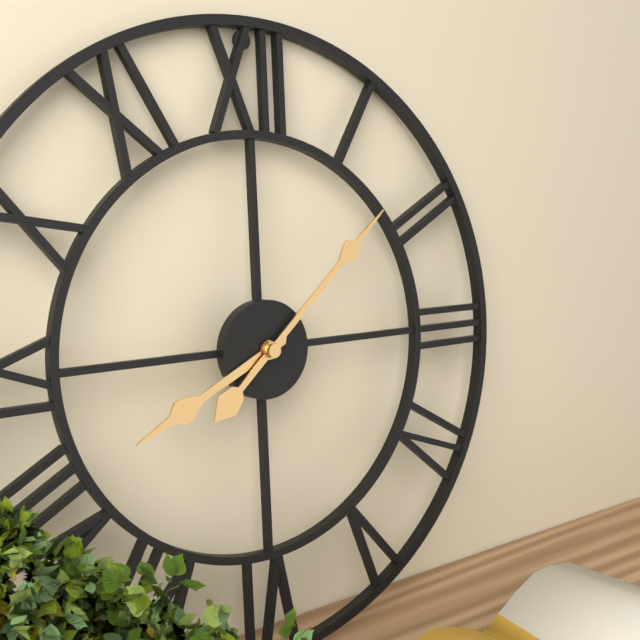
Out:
8,08
